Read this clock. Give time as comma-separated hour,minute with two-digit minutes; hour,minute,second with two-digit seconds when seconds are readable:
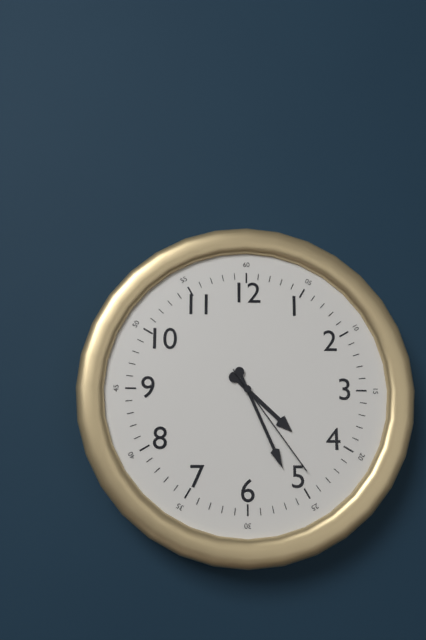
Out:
4,26,24
